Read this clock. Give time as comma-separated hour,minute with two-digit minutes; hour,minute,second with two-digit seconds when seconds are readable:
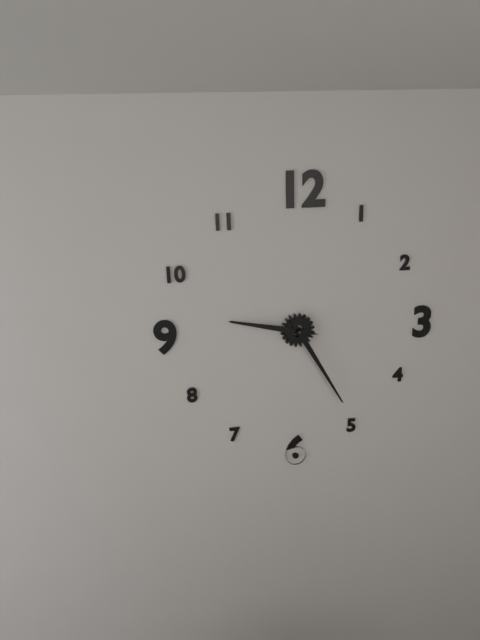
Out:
9,25
